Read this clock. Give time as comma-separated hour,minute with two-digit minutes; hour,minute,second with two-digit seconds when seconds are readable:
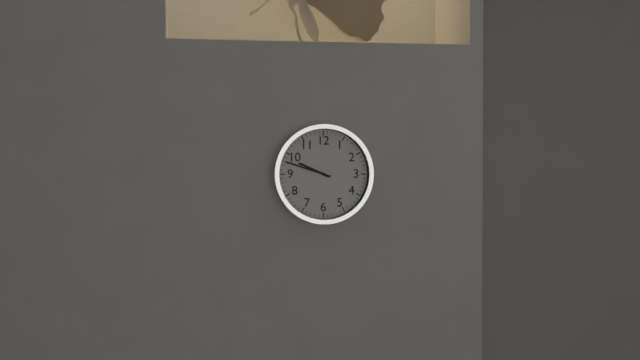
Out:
9,48
